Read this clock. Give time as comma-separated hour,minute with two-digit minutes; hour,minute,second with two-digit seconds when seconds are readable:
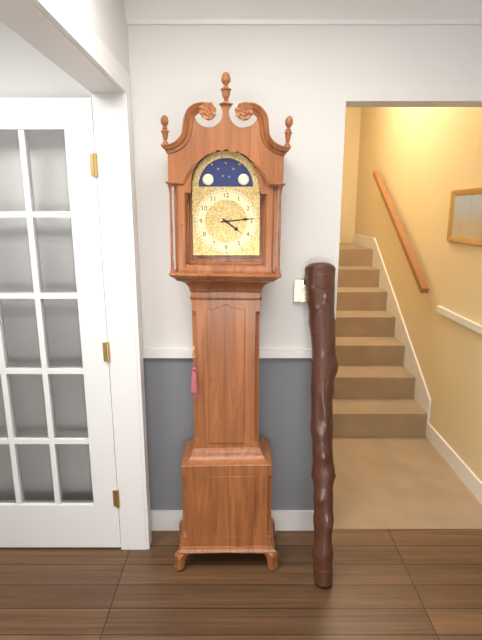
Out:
4,14
